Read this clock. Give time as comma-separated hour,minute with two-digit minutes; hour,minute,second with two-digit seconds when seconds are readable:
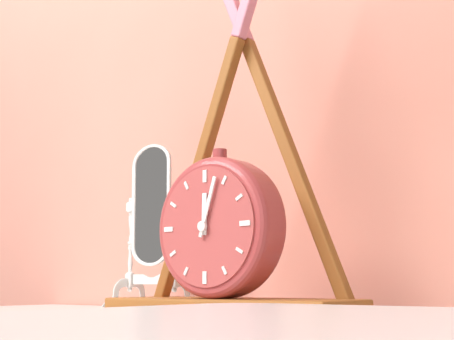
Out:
12,03
